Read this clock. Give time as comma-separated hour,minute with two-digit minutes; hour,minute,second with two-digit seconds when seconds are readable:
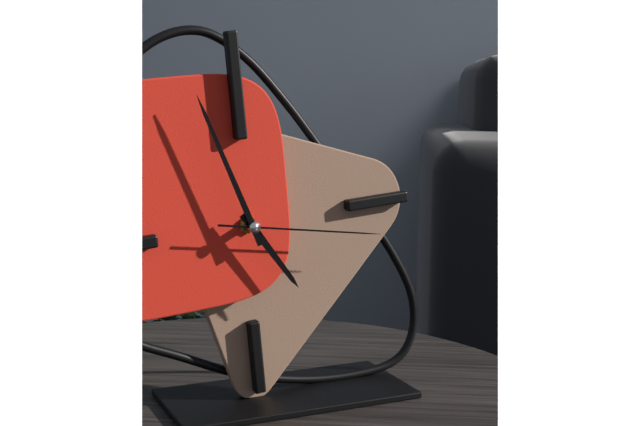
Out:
4,57,17
